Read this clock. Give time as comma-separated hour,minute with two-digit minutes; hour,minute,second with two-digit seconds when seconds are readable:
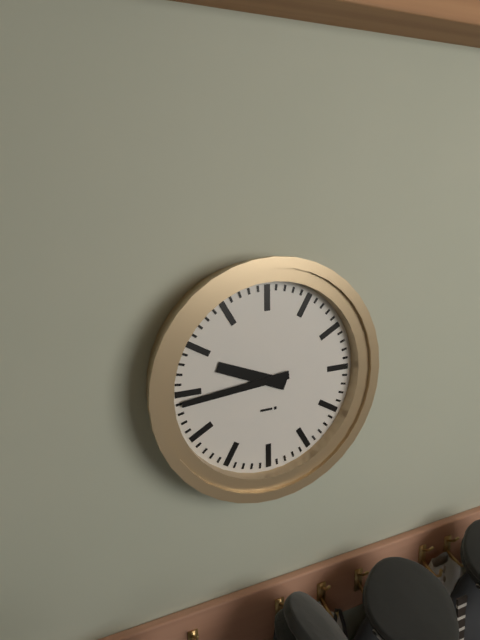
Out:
9,44
